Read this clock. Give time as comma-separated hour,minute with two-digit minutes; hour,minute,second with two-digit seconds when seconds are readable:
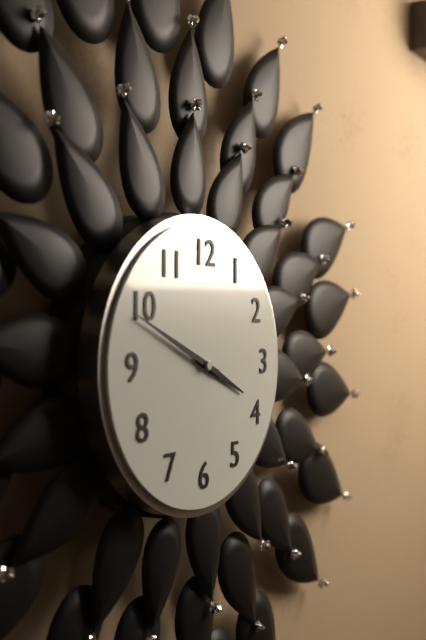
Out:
3,49
